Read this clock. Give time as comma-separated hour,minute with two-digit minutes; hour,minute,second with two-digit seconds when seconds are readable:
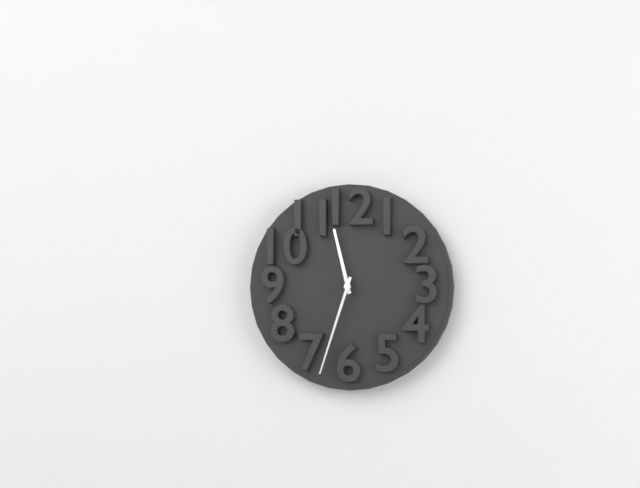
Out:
11,33
